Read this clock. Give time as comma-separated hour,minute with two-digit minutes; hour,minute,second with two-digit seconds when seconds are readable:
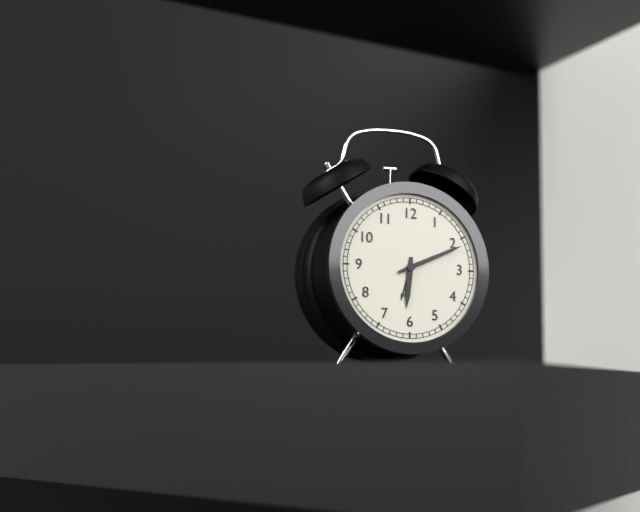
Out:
6,11
